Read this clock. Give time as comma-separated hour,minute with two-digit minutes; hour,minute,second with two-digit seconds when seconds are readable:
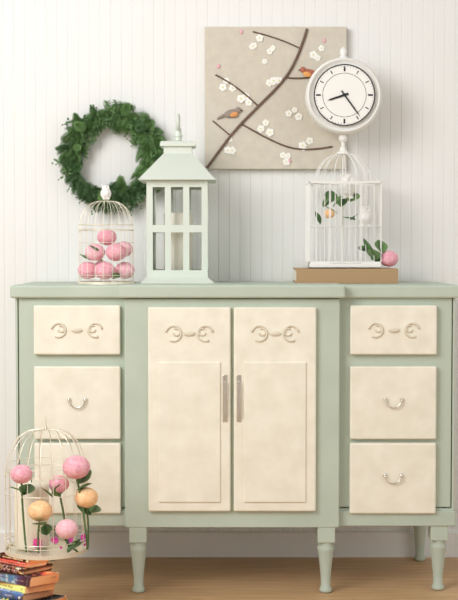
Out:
8,24
